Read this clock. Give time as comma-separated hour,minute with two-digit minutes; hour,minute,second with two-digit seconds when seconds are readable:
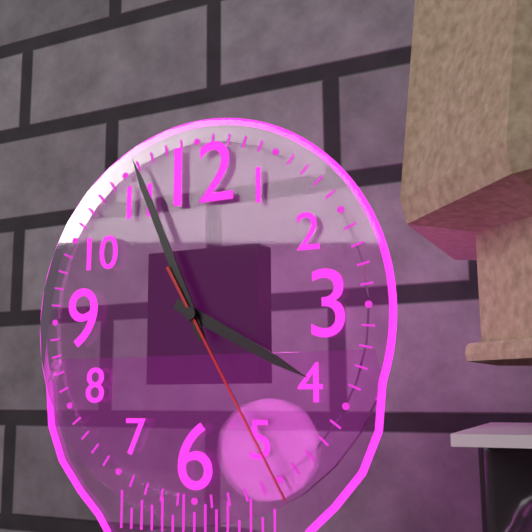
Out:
3,56,25
